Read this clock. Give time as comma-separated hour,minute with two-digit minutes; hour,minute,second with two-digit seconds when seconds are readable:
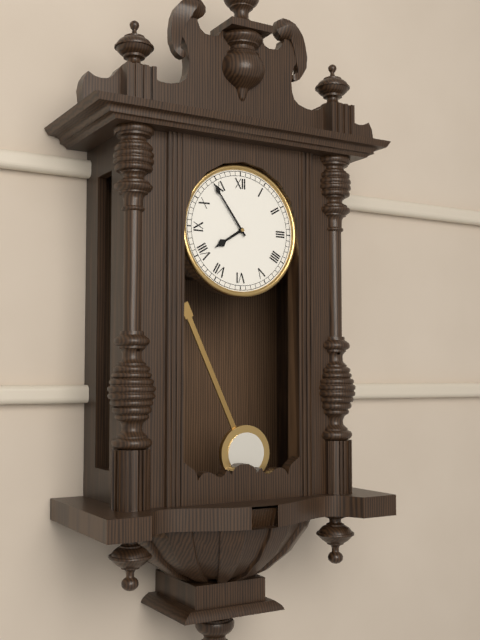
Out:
7,54
